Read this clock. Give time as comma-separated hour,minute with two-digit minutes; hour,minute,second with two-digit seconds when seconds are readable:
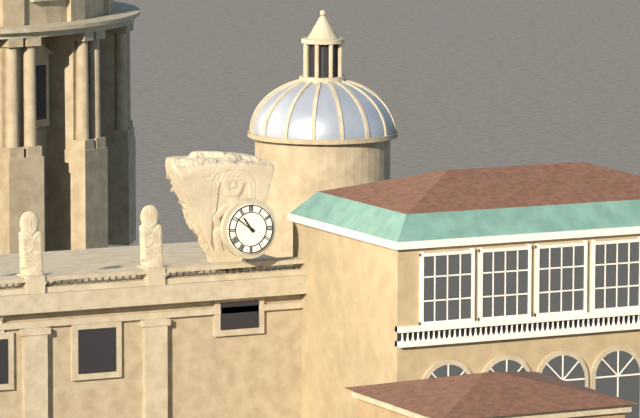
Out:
10,51
